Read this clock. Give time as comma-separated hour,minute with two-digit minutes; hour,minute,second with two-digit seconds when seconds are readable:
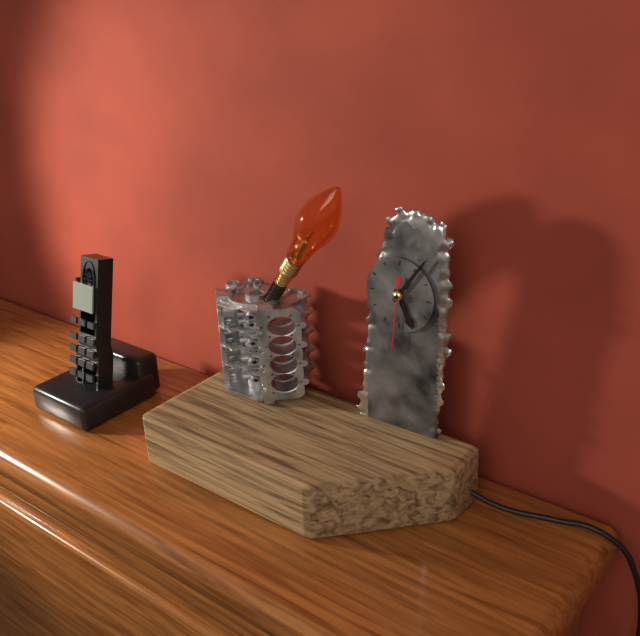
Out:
5,06,31
